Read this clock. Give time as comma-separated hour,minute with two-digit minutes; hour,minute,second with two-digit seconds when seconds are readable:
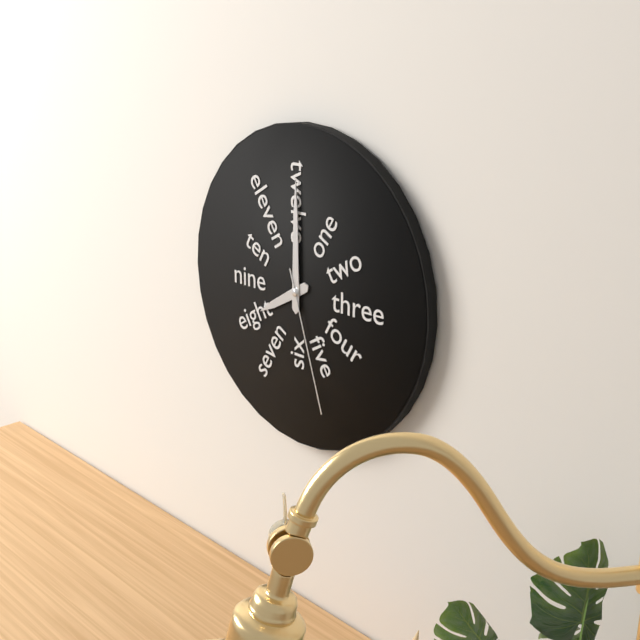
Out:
8,00,27
